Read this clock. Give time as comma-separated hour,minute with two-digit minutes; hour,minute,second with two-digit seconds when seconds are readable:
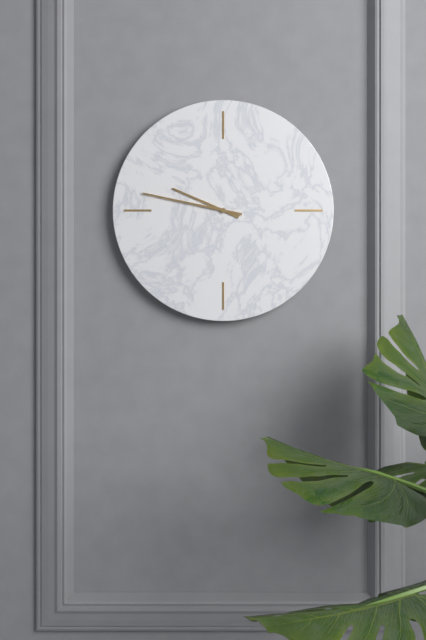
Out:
9,47
